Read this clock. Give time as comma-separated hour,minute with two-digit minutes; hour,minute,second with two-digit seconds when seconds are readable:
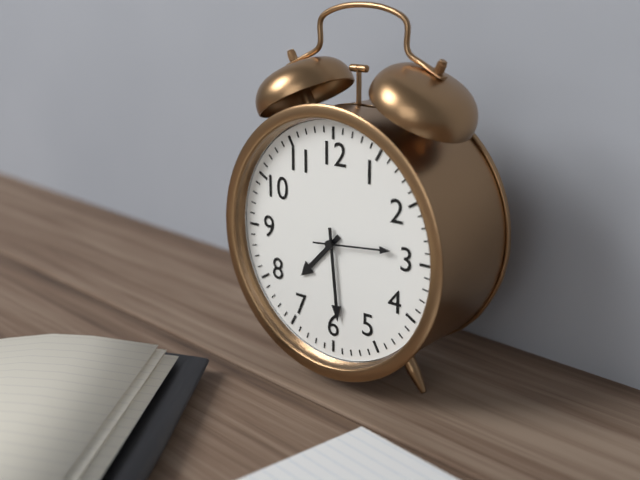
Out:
7,29,14
